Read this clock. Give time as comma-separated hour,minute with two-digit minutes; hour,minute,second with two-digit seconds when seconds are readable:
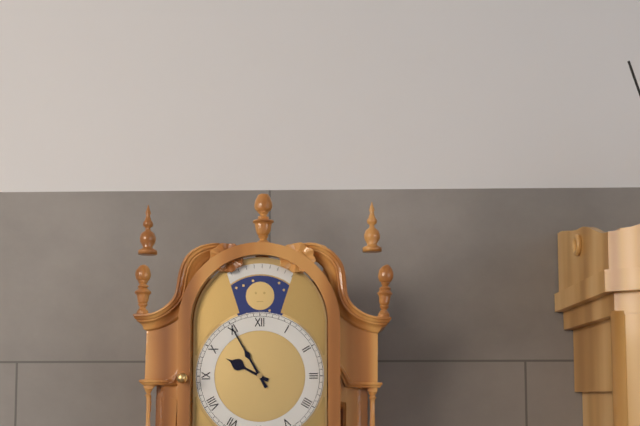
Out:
9,55
